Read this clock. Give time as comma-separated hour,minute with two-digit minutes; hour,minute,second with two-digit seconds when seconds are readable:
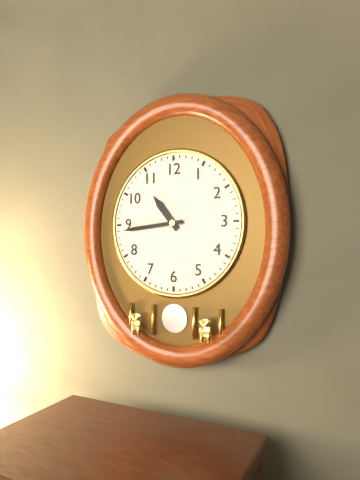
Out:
10,44
